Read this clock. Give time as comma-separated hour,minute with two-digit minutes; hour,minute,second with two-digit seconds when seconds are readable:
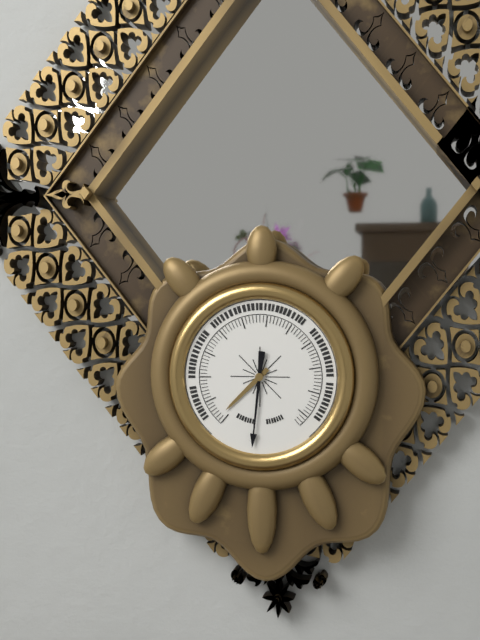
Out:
7,31
